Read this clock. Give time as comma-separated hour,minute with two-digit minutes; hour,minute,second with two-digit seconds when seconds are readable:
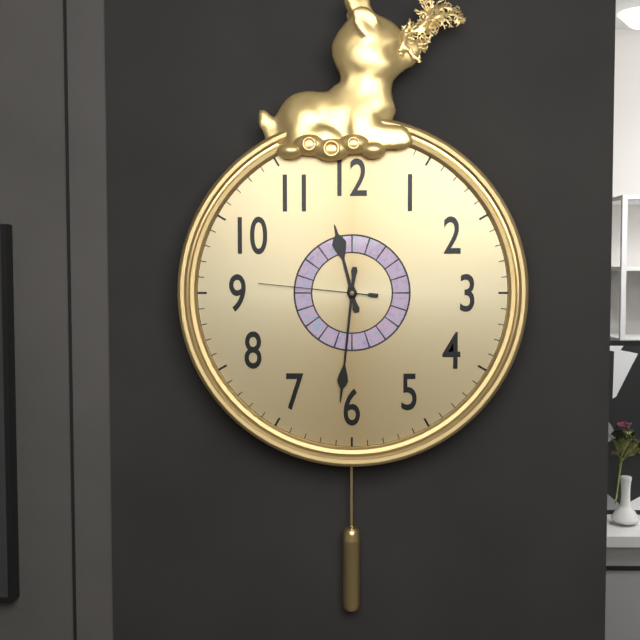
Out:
11,31,46
